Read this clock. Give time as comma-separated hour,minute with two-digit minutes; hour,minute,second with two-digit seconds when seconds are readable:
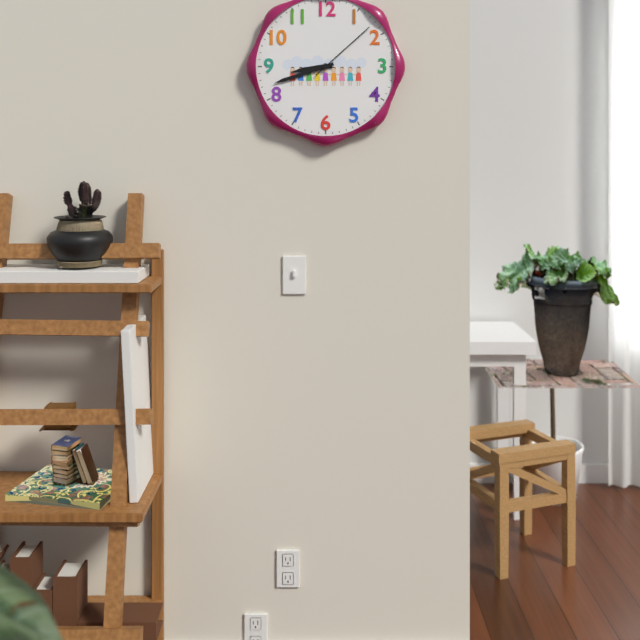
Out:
8,42,08
